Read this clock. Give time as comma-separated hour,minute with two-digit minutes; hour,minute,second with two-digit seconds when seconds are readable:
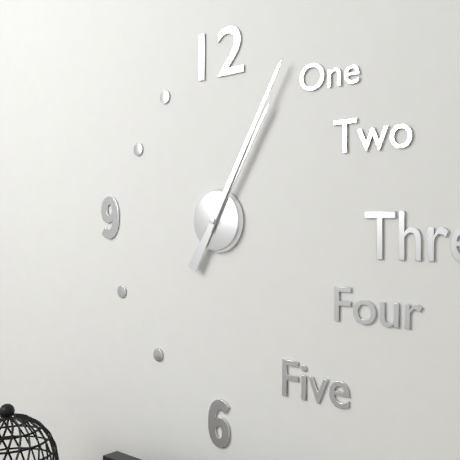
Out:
1,05
